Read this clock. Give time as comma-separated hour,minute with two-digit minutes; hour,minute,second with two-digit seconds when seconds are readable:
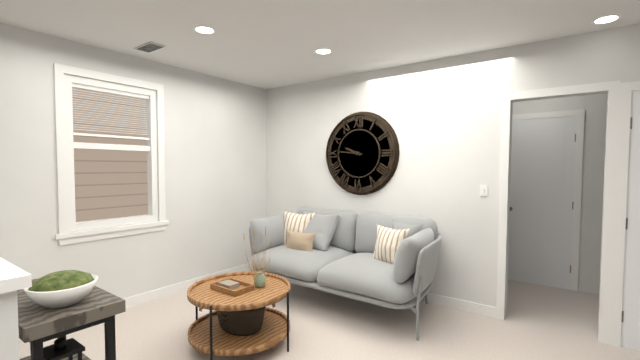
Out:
9,46
